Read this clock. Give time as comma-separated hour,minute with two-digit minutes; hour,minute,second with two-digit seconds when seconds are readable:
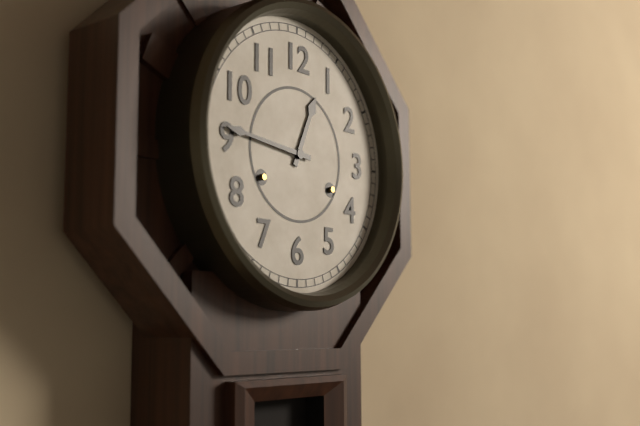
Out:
12,46
